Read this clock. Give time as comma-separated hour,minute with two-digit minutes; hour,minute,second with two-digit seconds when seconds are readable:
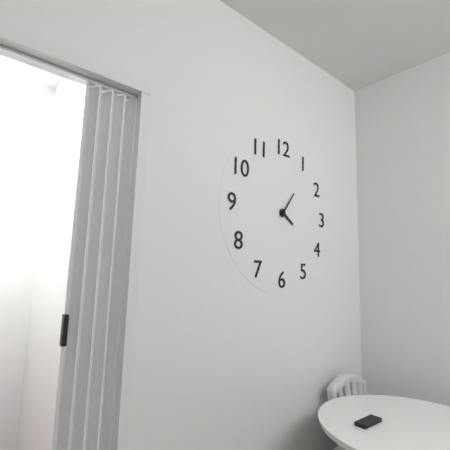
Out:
4,06
